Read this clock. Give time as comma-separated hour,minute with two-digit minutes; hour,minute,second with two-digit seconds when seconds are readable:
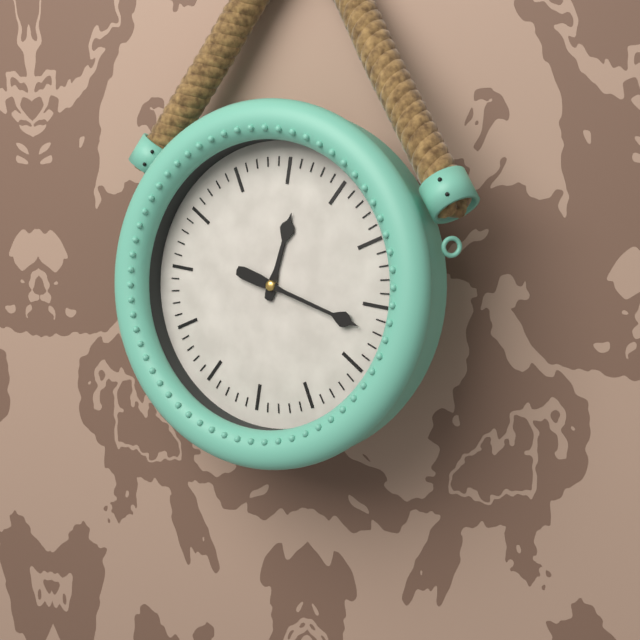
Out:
12,17
